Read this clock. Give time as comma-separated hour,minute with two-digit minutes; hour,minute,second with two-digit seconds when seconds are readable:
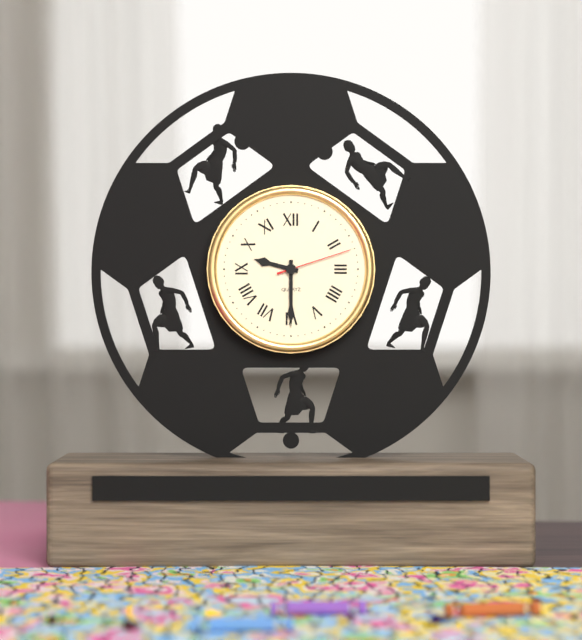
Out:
9,30,12
